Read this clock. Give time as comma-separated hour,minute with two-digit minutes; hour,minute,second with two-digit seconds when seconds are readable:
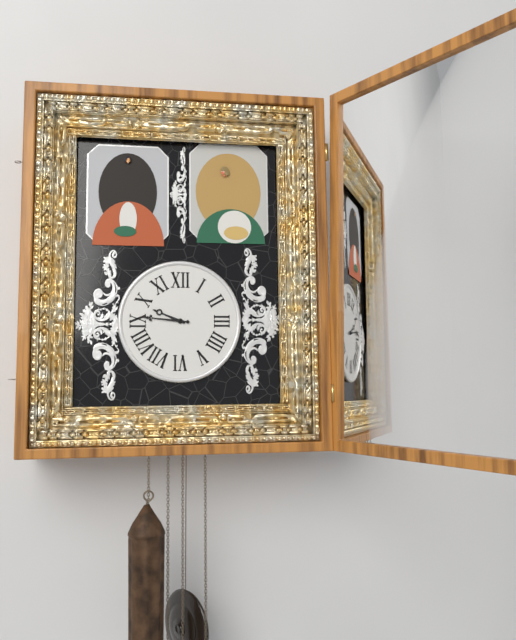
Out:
9,46
